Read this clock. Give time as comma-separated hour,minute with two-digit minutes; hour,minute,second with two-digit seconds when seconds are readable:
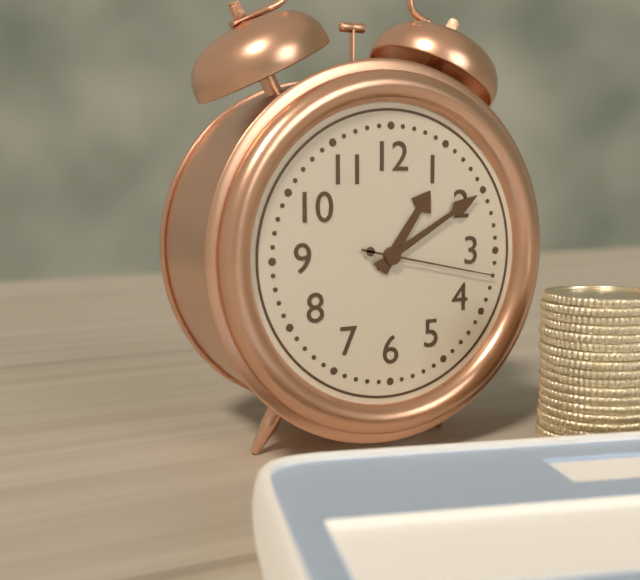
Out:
1,10,17
